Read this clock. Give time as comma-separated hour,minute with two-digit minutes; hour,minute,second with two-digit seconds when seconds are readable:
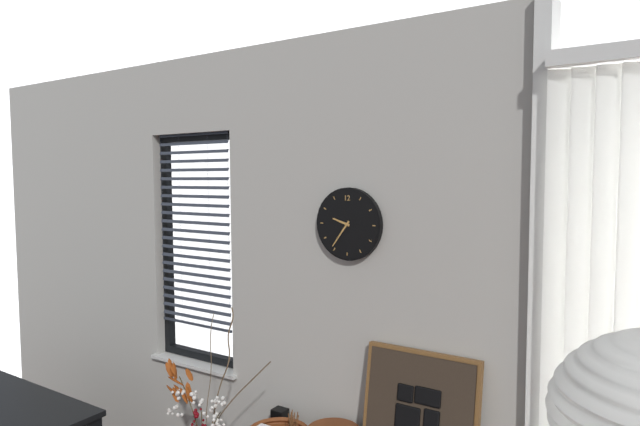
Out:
9,36
